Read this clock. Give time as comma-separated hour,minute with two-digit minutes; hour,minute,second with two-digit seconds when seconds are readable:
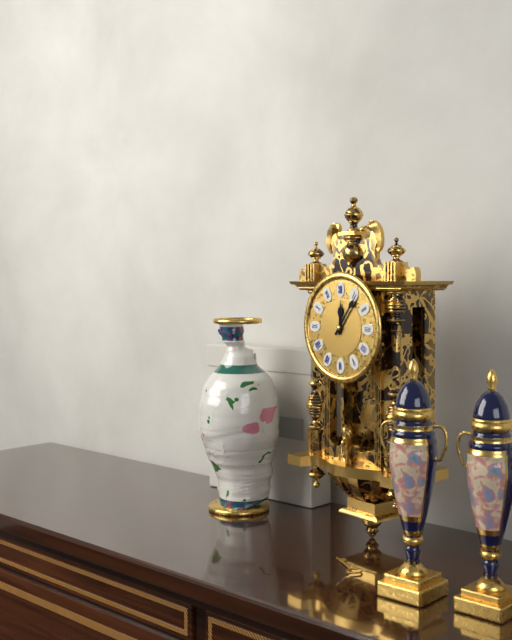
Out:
12,06
